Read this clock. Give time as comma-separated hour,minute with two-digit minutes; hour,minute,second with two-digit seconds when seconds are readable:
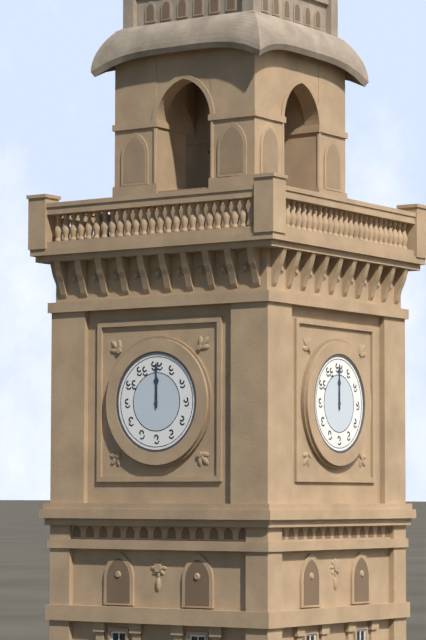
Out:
12,00
